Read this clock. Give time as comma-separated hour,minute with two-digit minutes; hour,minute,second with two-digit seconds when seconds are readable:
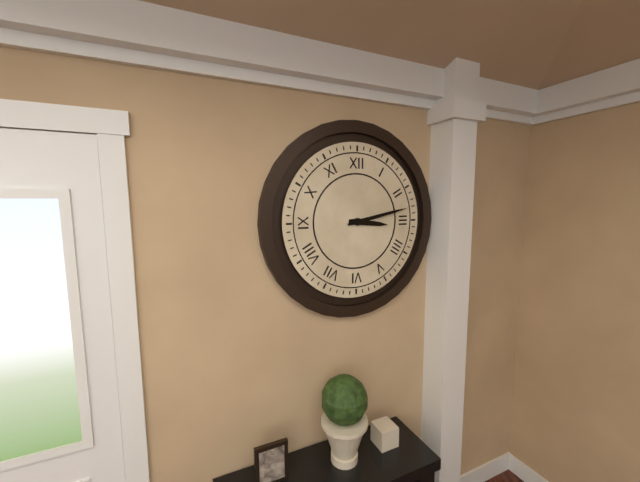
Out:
3,13
